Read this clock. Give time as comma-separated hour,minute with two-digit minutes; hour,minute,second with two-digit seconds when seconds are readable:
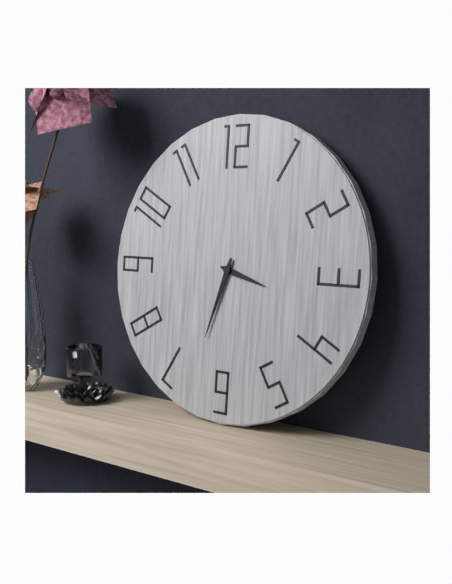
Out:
3,33
